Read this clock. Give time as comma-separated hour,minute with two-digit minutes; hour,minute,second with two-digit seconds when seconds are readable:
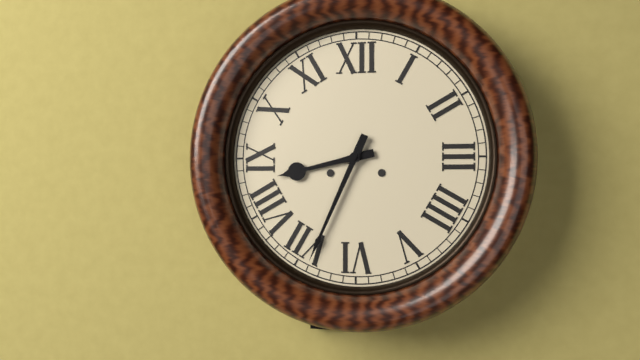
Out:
8,34
